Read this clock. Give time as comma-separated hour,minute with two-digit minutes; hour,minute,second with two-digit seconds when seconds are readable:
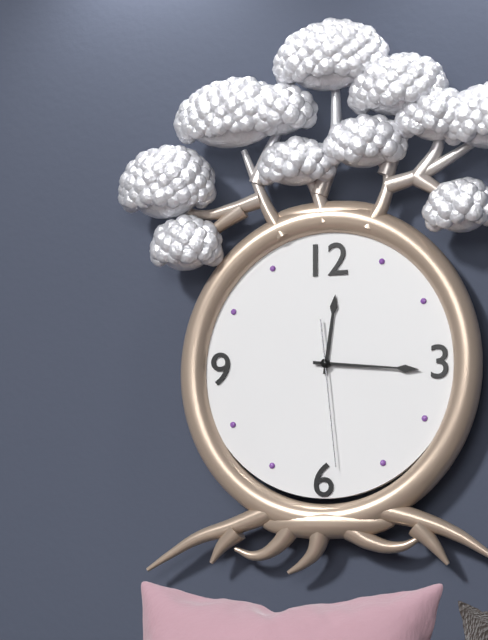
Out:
12,16,29
